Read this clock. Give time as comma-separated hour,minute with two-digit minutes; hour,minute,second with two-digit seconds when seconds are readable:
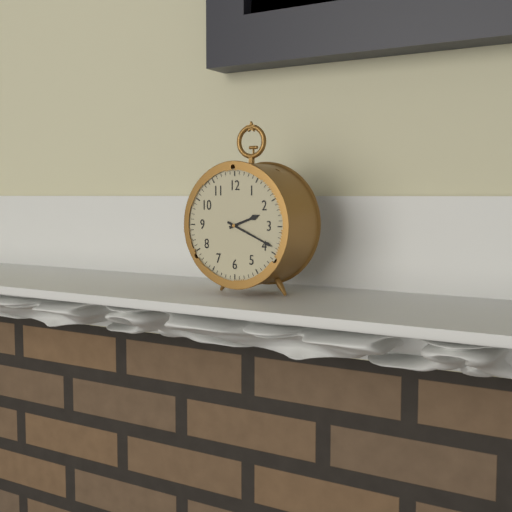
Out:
2,19
